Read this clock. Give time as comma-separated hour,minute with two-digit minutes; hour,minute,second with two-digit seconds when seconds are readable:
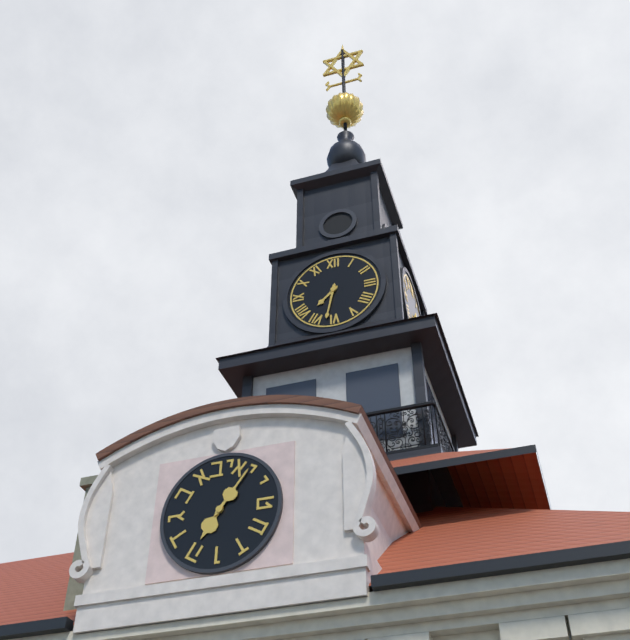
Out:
7,32
